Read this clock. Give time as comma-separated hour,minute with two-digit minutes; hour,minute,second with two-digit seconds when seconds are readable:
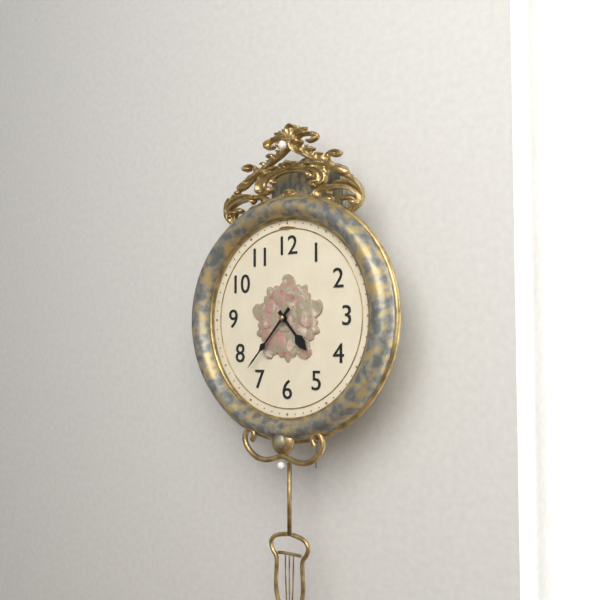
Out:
4,37
